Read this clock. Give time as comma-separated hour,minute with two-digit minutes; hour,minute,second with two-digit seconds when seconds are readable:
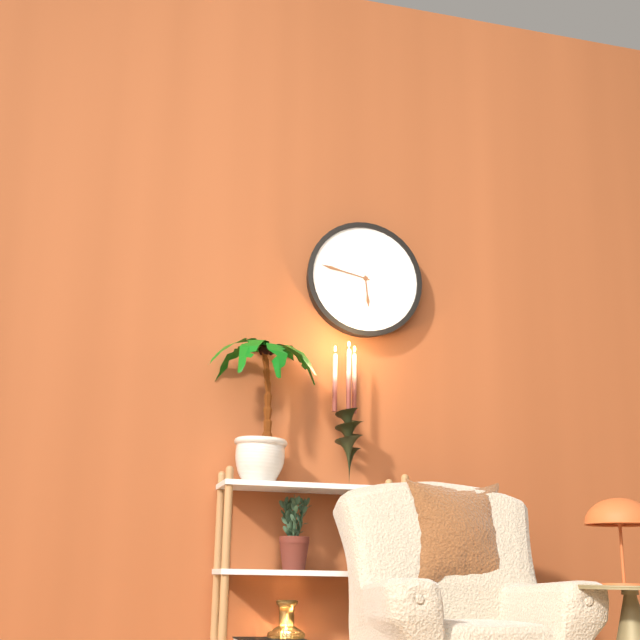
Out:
5,47
